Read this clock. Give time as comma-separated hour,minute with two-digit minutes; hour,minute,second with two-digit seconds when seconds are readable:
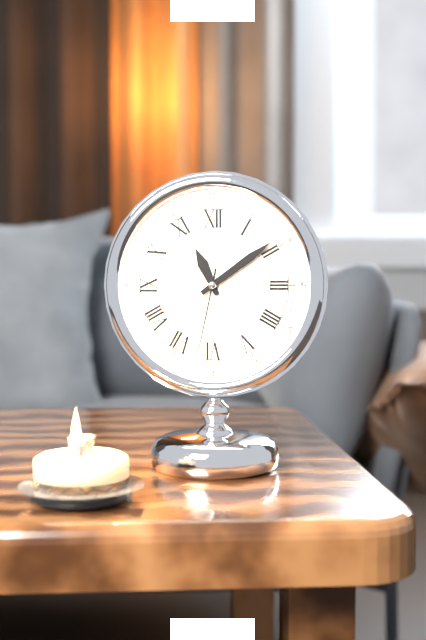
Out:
11,09,32
